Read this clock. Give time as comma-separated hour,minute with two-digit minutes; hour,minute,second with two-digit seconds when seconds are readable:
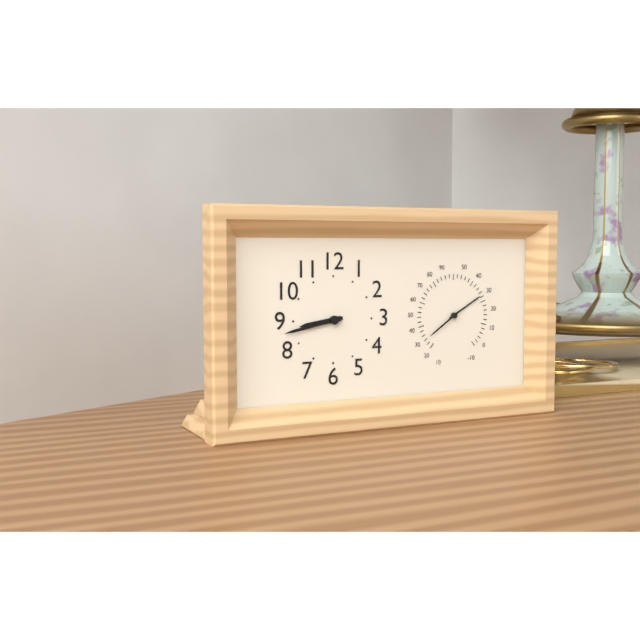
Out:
8,43
